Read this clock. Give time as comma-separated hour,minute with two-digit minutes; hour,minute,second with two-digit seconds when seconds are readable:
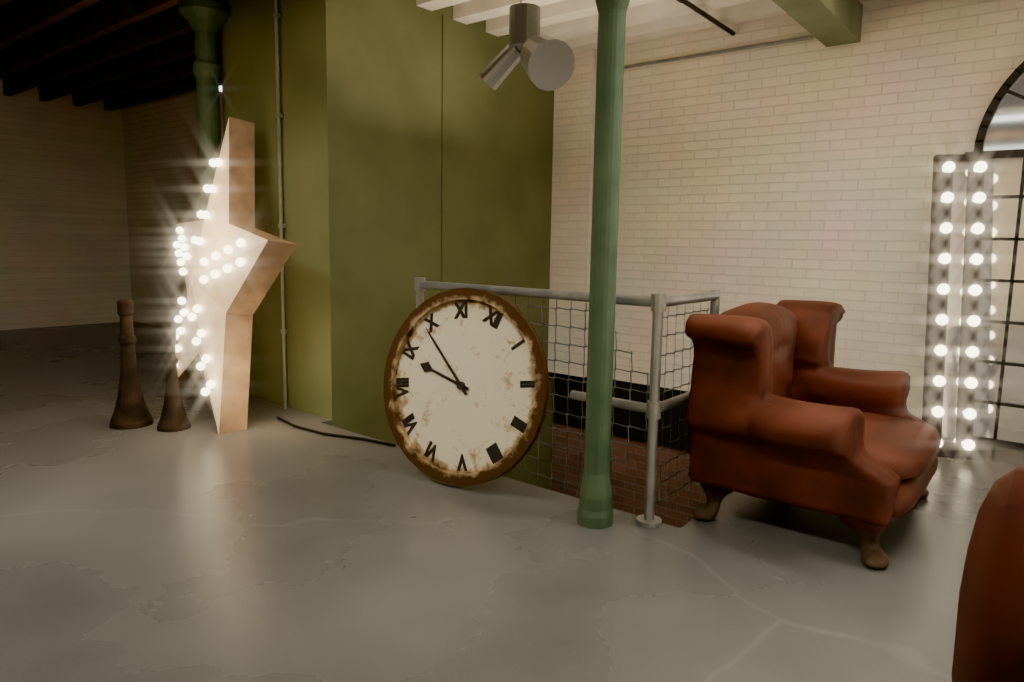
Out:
8,49
